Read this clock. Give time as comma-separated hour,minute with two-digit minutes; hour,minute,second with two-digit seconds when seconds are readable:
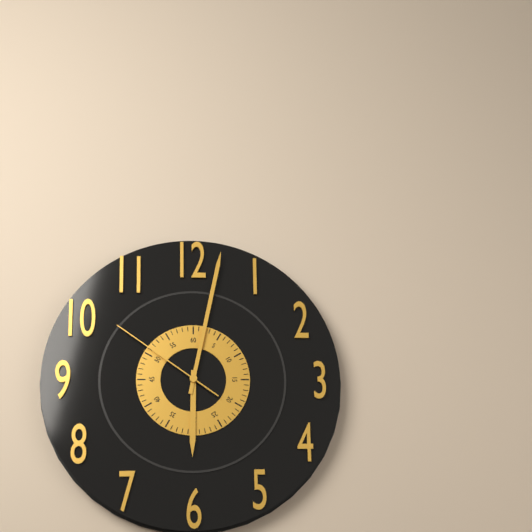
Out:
6,02,51
